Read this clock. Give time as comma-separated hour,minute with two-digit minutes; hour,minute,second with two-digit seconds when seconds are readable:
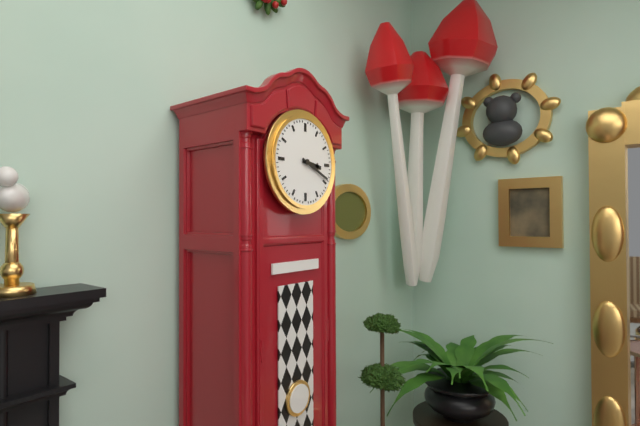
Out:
3,19
